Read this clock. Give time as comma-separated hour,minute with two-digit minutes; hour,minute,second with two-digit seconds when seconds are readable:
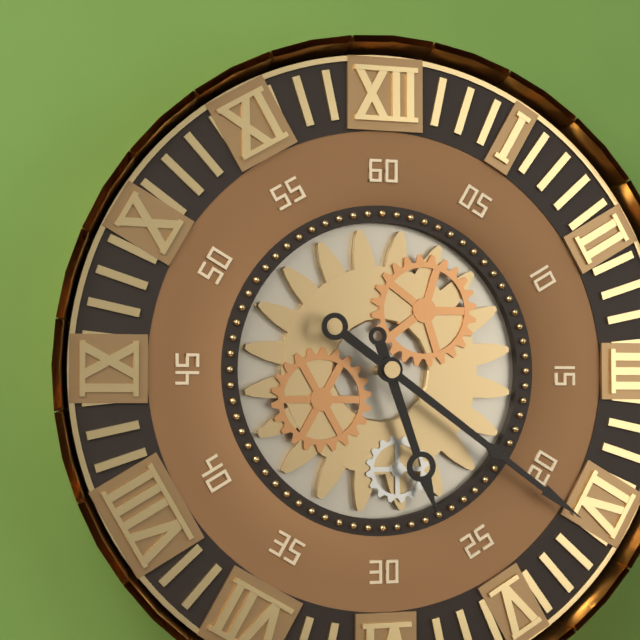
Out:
5,21
